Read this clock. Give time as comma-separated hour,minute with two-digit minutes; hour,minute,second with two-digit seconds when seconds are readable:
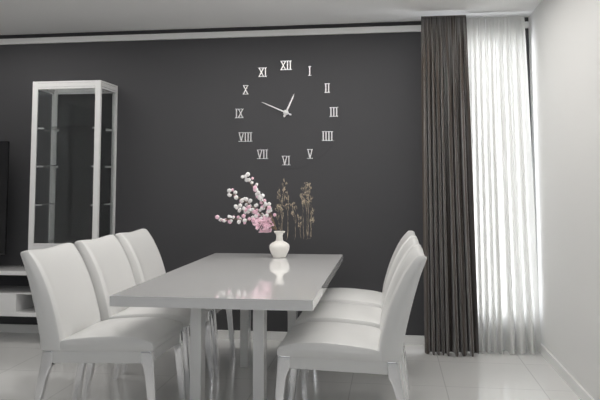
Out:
12,49
